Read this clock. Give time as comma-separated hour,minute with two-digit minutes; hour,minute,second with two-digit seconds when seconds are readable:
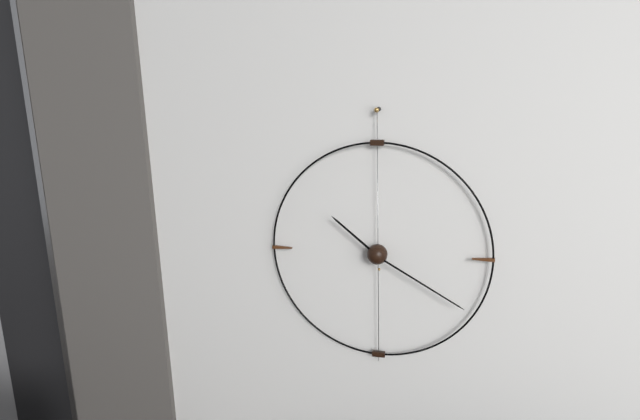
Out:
10,20
